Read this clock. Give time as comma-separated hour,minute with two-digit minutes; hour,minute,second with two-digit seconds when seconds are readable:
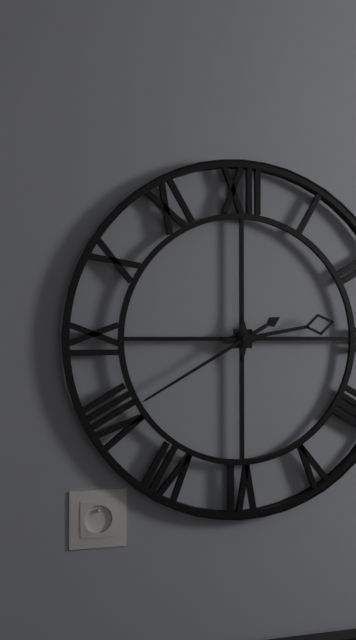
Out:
2,40
